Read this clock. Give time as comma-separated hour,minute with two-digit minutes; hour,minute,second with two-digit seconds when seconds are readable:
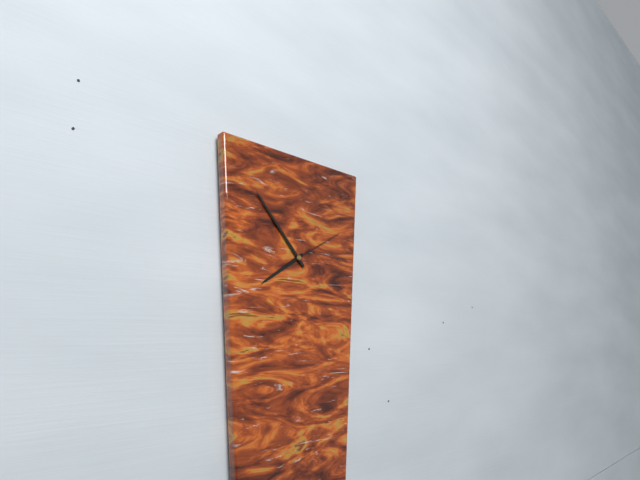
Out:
7,53,10
